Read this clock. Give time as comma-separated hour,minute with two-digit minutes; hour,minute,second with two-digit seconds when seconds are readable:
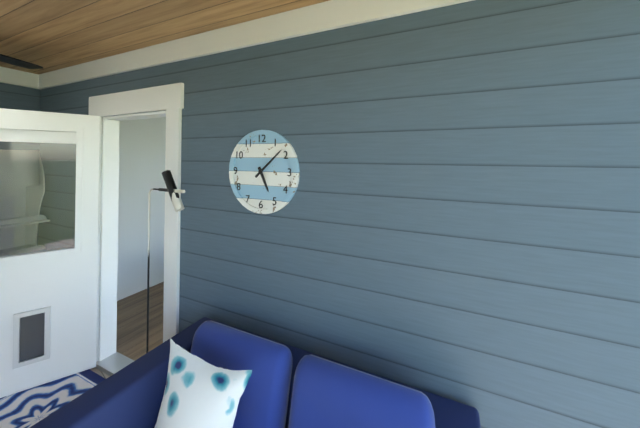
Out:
5,08
